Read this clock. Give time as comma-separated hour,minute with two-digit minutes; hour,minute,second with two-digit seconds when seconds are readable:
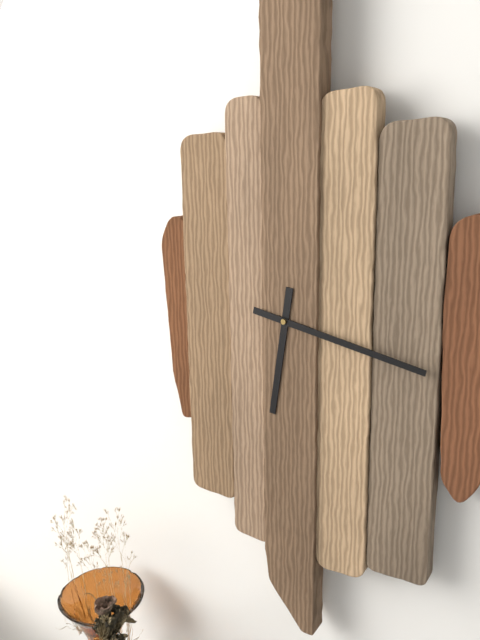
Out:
6,17
